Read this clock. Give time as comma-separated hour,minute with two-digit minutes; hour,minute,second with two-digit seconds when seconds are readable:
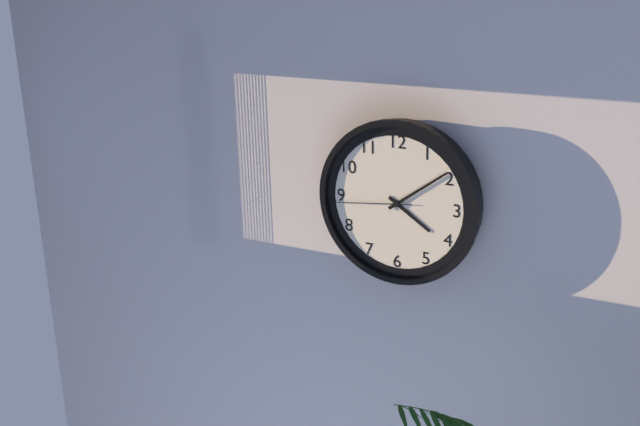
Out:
4,09,44
